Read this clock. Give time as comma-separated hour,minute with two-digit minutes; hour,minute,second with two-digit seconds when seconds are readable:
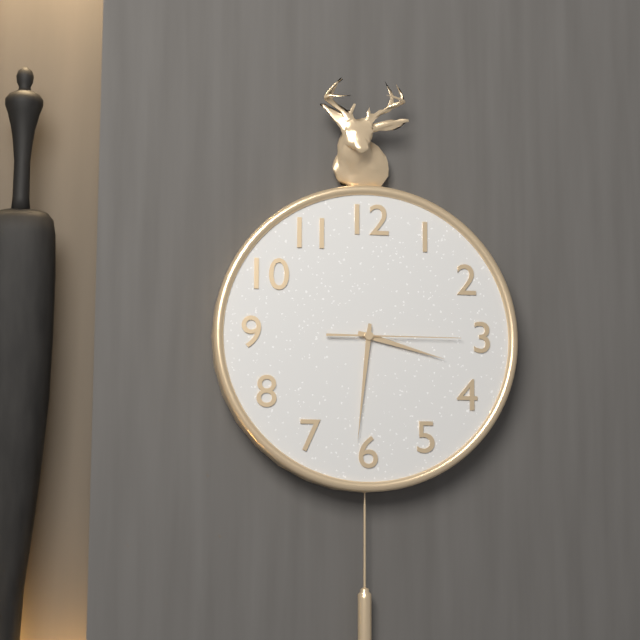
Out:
3,31,15
